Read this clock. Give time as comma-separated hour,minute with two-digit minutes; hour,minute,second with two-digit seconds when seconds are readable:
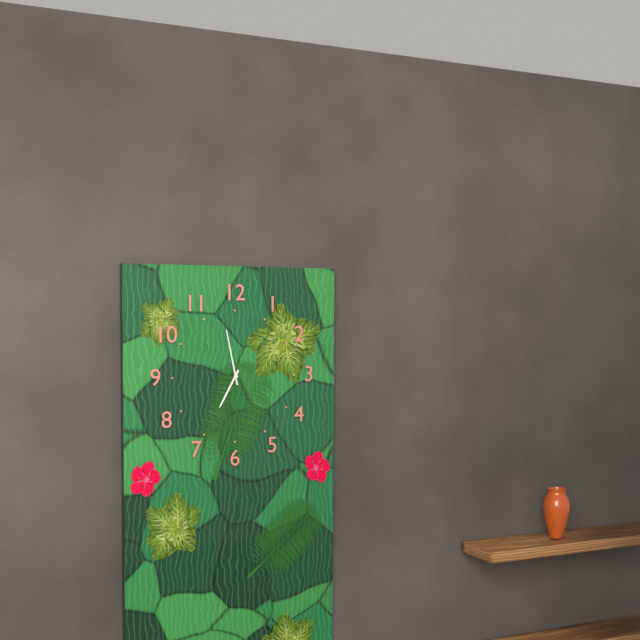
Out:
6,58
